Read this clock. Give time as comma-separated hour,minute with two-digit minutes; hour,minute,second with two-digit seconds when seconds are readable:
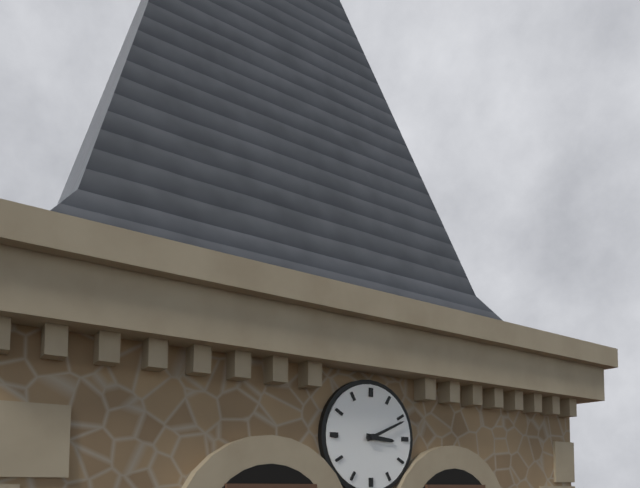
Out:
3,11
